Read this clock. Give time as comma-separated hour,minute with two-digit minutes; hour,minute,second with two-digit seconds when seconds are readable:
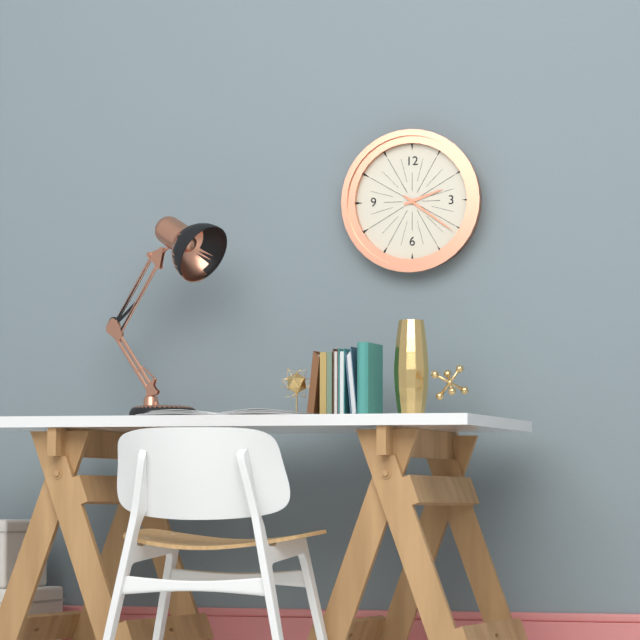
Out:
2,21
